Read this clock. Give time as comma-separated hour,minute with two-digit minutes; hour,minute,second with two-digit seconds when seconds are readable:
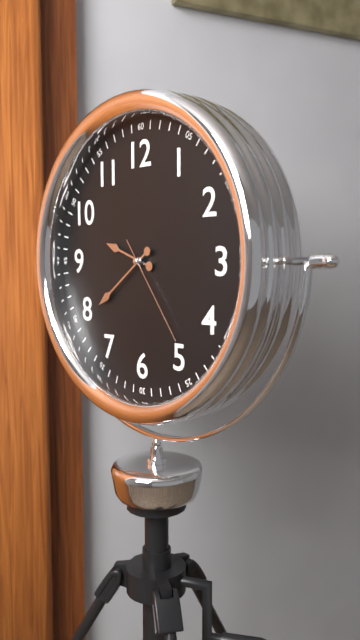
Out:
9,39,24
